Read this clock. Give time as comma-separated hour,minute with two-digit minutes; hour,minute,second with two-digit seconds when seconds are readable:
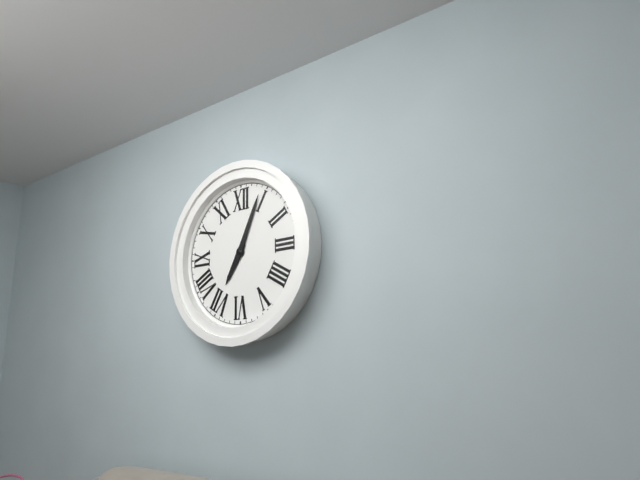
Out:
7,04
